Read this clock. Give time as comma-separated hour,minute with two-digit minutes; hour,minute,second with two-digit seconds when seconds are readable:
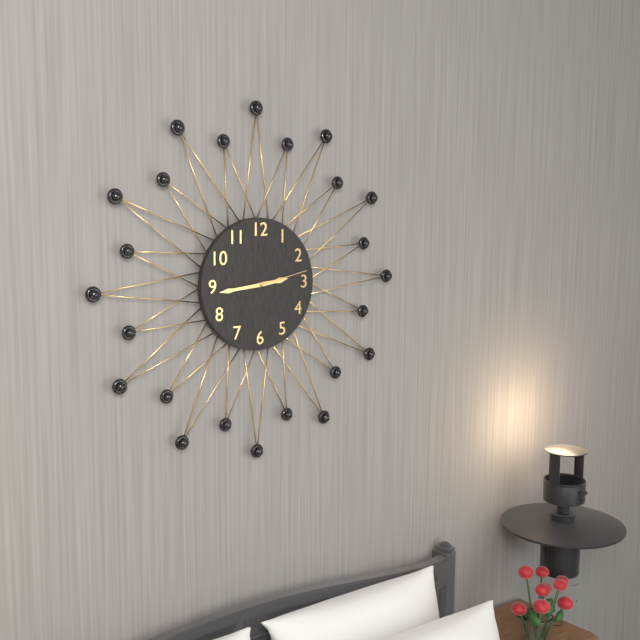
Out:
2,44,13
